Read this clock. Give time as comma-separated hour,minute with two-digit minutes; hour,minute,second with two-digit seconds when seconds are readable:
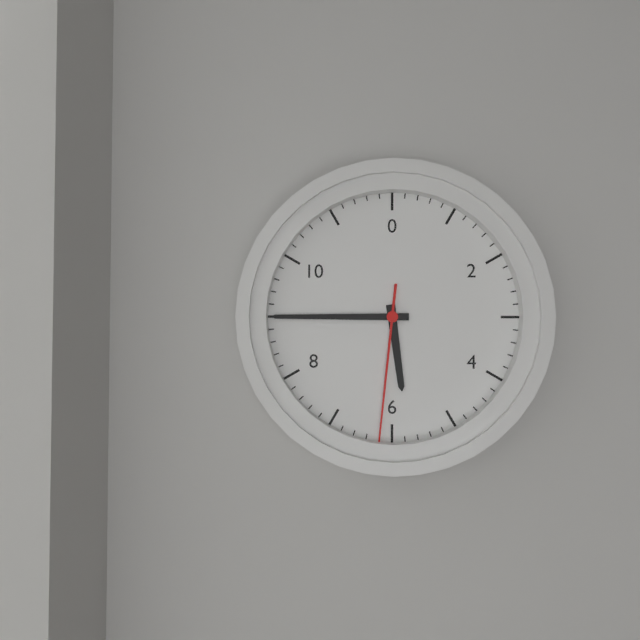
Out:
5,45,31
